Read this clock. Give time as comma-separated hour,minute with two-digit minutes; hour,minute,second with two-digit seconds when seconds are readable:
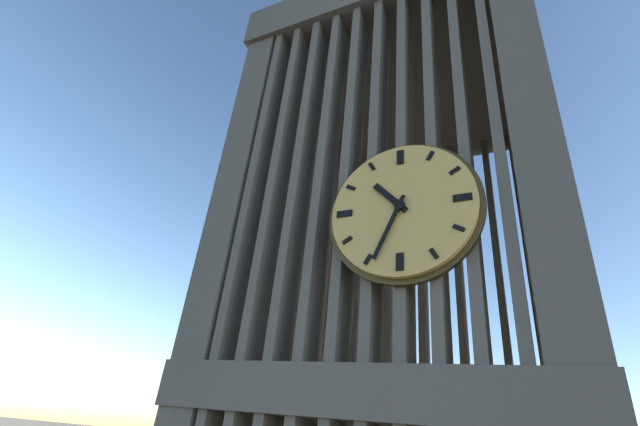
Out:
10,34
